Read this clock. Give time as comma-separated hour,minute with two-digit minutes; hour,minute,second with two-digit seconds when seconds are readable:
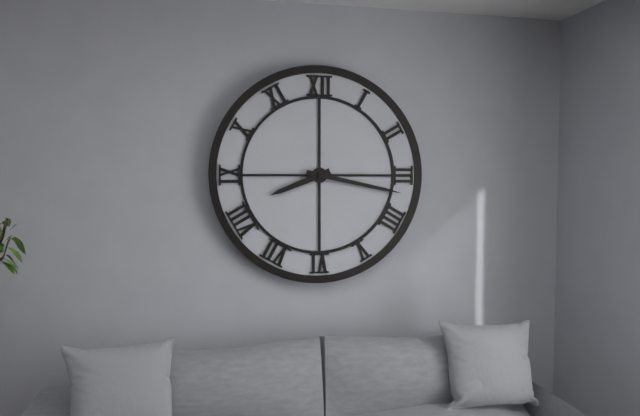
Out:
8,17
